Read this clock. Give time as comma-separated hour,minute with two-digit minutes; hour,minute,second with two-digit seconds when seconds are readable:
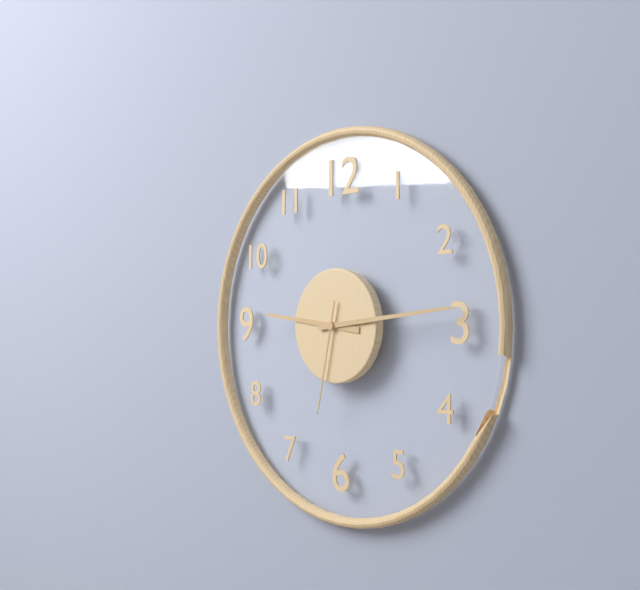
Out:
9,14,32
